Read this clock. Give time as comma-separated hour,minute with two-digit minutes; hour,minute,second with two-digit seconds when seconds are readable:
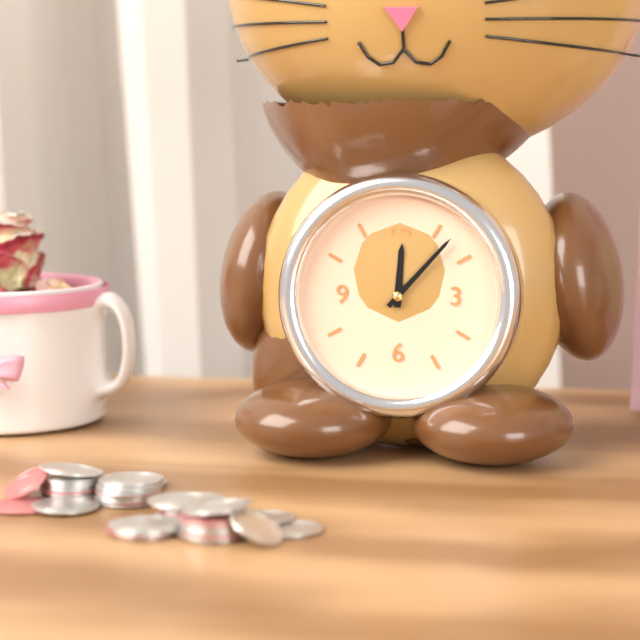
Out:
12,07
